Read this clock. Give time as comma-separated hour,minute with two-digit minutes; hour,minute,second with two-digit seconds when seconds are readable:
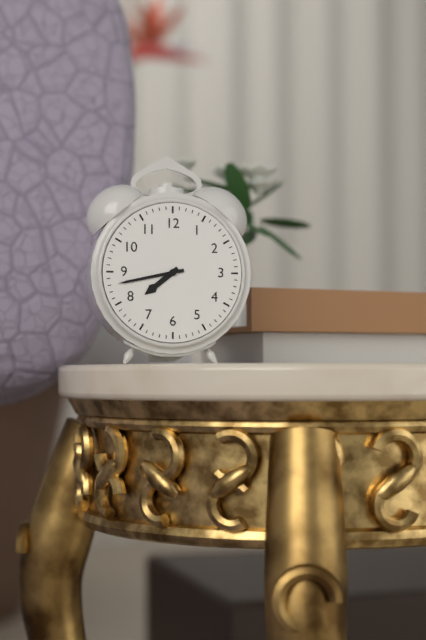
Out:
7,43
